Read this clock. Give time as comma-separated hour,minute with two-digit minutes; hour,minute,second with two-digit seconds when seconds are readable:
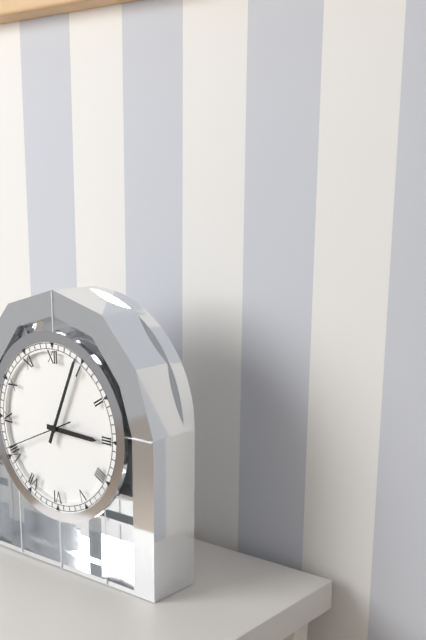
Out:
3,04,41
